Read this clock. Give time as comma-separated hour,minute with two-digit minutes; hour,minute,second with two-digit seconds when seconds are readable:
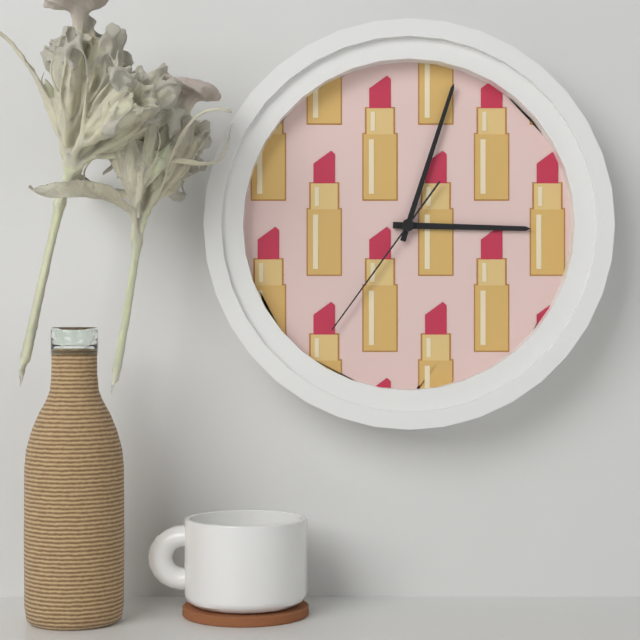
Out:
3,03,36
